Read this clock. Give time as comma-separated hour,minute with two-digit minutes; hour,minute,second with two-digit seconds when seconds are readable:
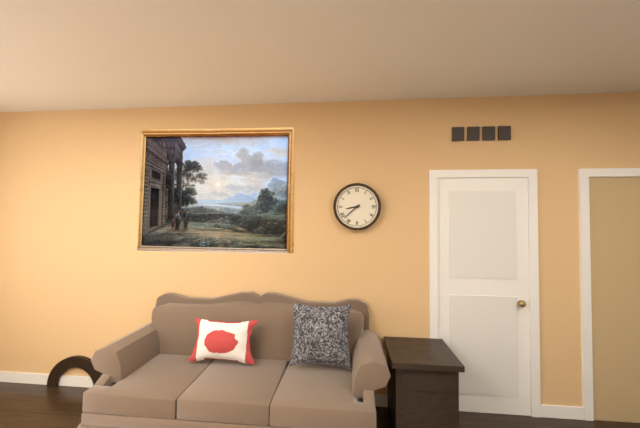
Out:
8,38
